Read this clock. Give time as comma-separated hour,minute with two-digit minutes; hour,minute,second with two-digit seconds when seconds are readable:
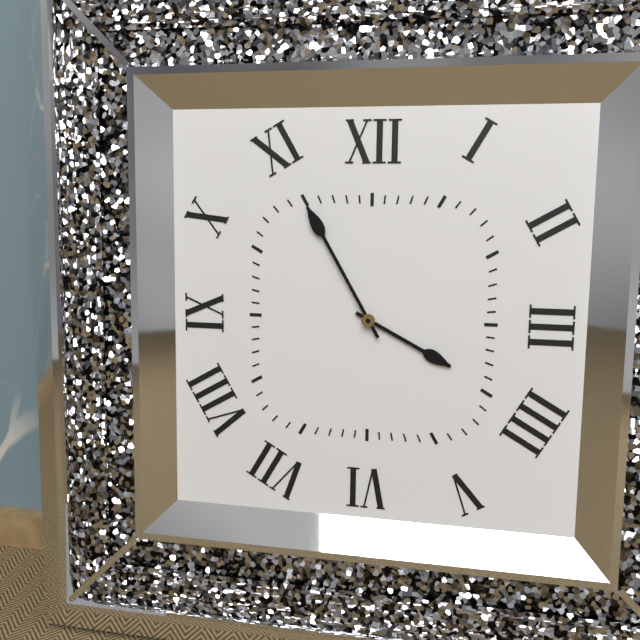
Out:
3,55
